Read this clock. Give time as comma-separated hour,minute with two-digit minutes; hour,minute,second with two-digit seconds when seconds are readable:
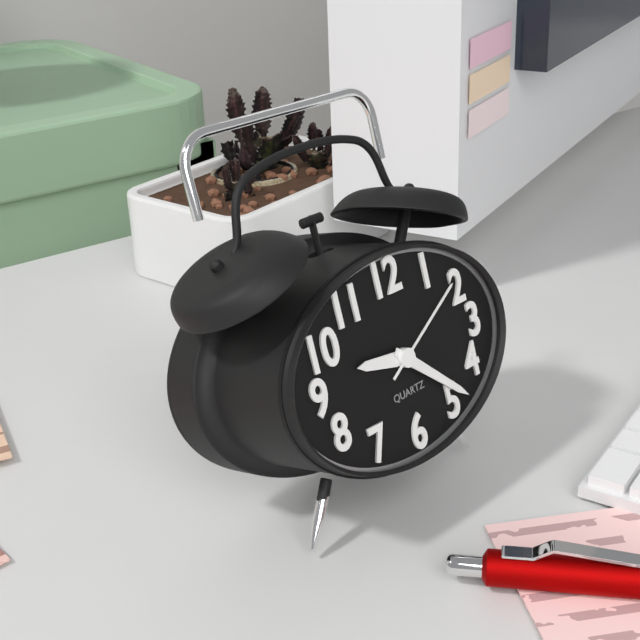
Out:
9,22,10
